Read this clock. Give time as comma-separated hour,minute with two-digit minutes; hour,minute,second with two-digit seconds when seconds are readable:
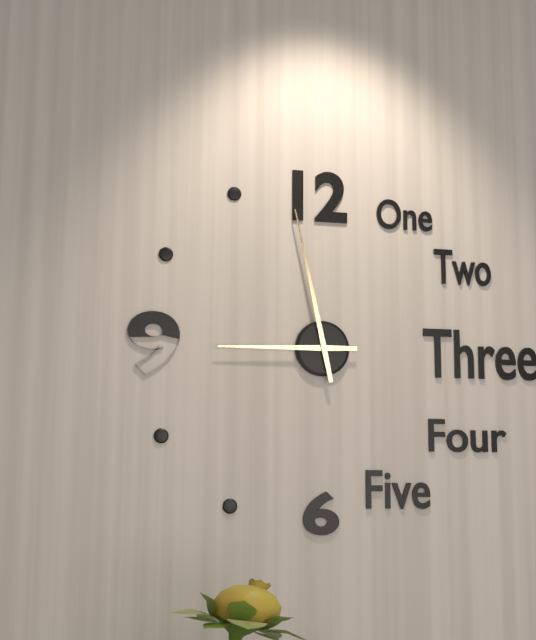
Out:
8,58
